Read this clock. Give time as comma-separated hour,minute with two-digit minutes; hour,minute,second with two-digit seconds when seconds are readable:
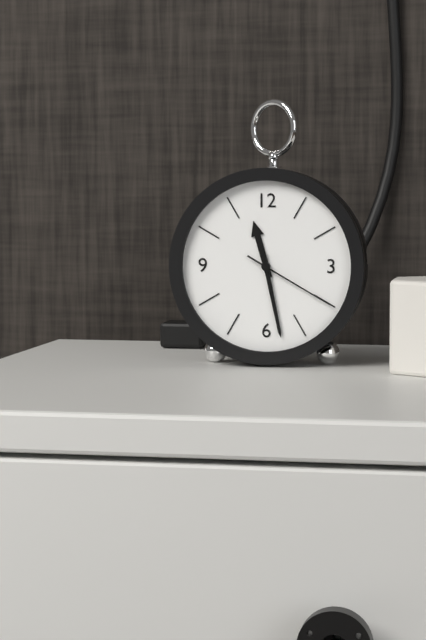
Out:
11,28,20
